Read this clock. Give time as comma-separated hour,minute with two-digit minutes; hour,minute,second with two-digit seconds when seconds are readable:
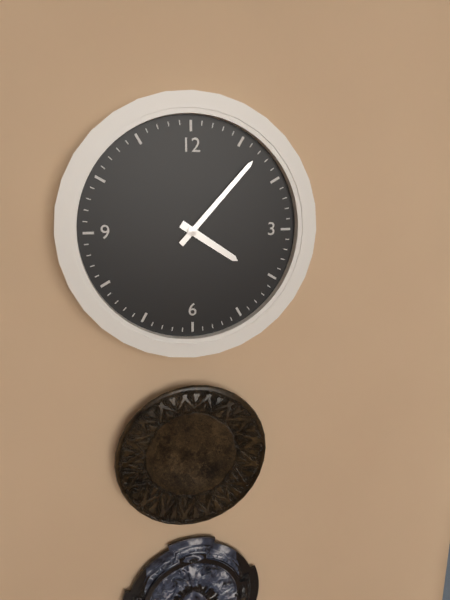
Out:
4,07
